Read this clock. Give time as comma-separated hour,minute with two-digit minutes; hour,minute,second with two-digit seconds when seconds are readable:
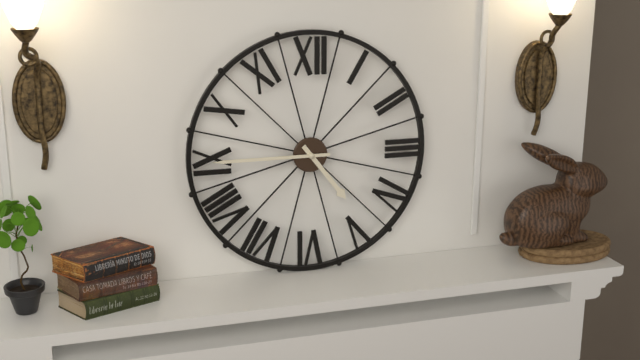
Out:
4,45
